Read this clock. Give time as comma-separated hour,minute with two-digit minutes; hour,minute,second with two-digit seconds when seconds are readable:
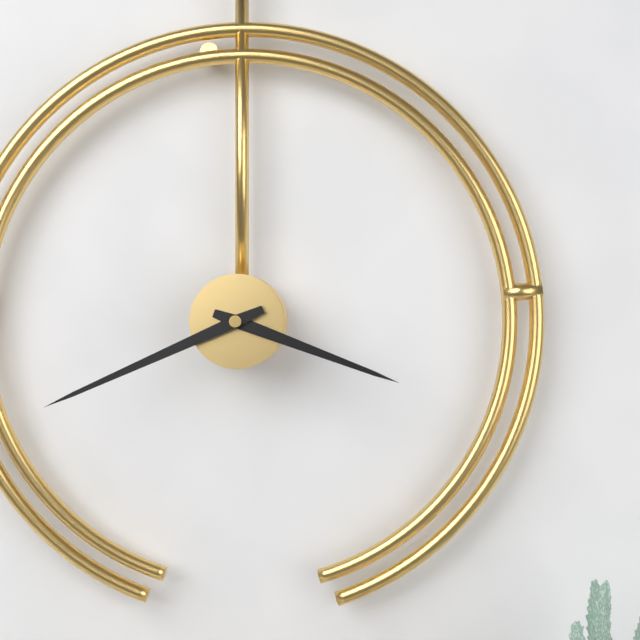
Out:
3,41
